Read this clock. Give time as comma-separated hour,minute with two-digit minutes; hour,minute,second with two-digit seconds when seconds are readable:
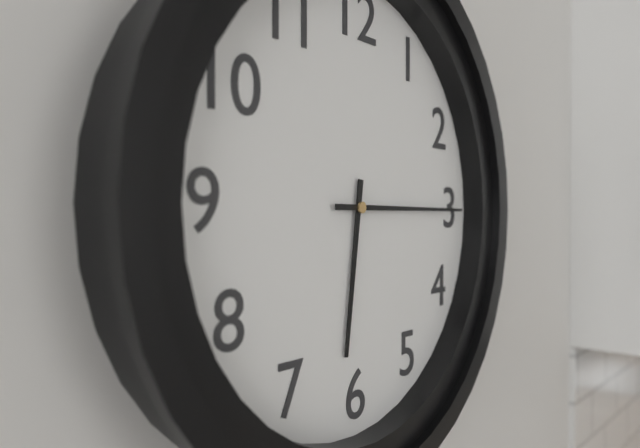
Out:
6,15
